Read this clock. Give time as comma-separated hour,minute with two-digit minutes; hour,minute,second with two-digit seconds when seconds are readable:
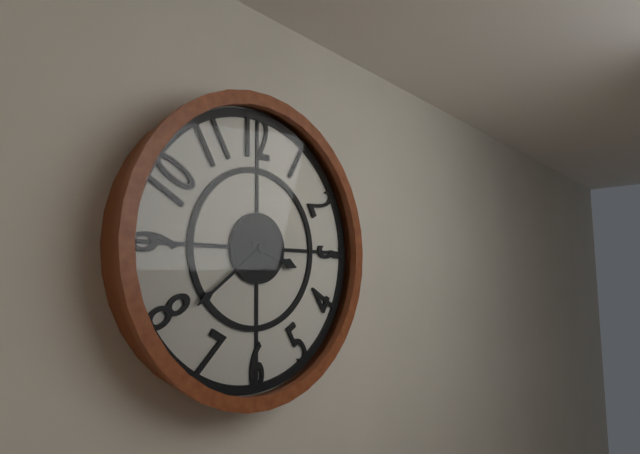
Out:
3,39
